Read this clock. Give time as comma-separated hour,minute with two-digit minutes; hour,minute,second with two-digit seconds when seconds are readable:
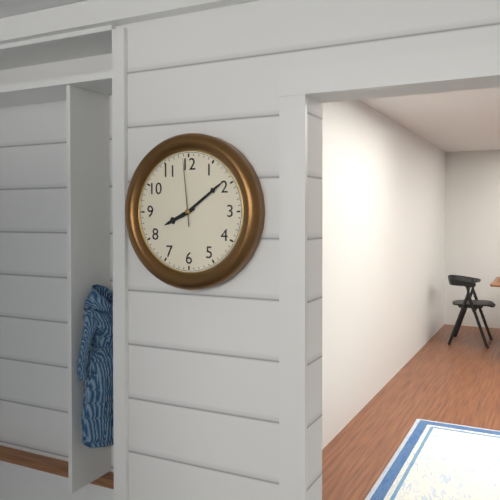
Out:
8,09,59
